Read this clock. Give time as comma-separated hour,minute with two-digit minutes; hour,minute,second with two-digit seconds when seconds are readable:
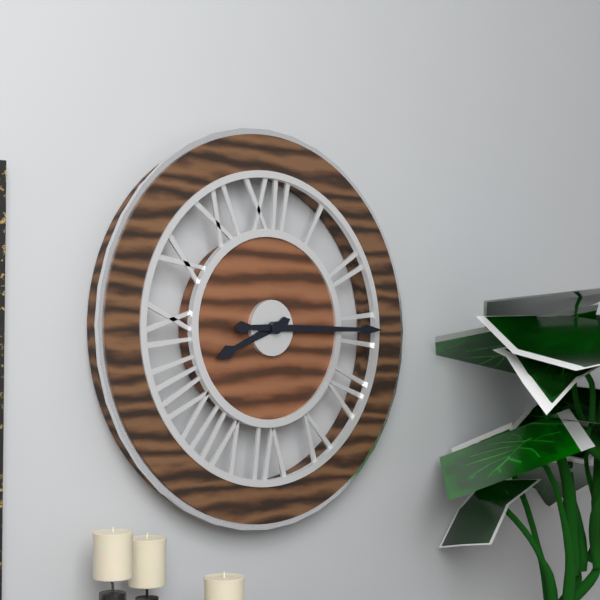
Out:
8,15
